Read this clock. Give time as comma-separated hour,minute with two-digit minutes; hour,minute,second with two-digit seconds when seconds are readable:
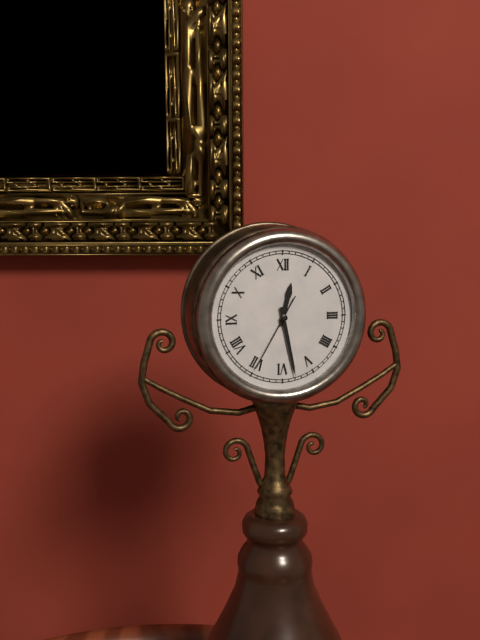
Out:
12,28,35
